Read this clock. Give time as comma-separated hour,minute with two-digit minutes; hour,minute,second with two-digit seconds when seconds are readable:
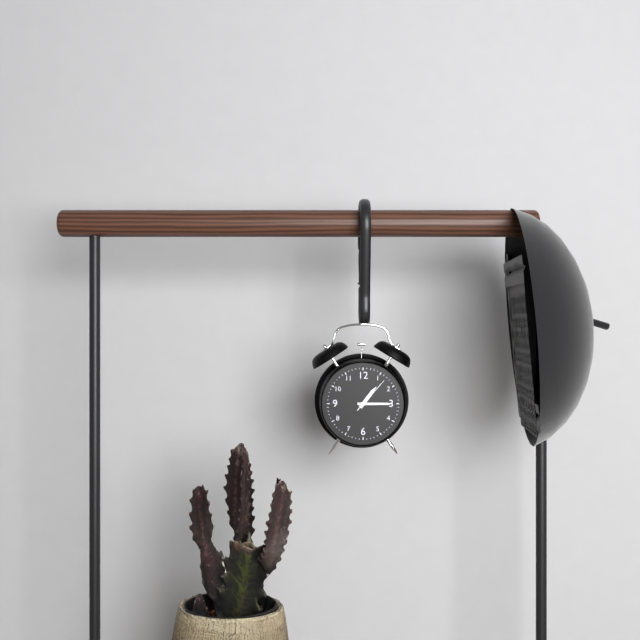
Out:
1,15
